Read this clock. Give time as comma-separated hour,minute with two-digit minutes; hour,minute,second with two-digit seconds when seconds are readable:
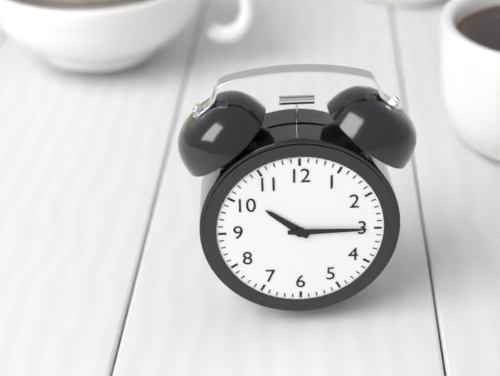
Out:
10,15
